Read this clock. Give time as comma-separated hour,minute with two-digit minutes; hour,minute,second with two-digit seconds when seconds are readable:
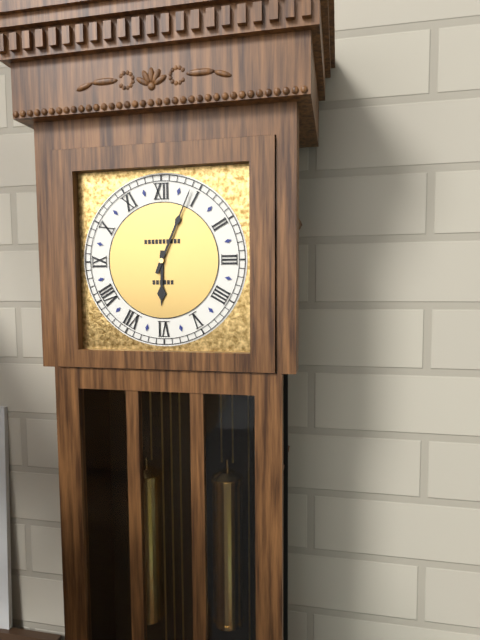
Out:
6,04
